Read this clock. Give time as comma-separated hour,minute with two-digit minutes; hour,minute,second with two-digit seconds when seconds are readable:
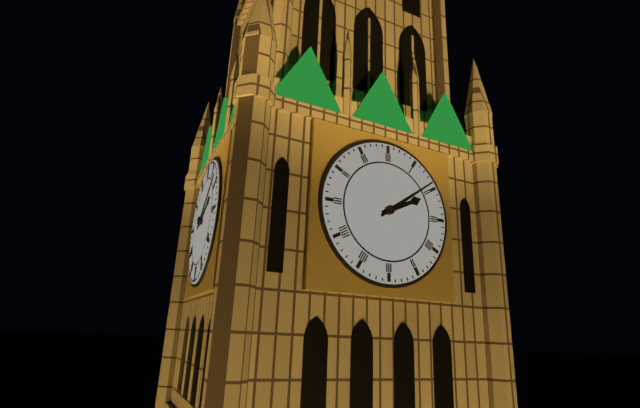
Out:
2,09
